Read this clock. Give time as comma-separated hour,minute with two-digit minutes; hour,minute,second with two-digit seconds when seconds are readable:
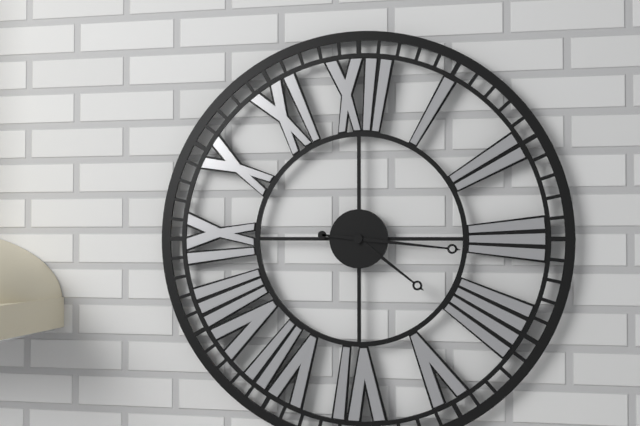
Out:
4,16
